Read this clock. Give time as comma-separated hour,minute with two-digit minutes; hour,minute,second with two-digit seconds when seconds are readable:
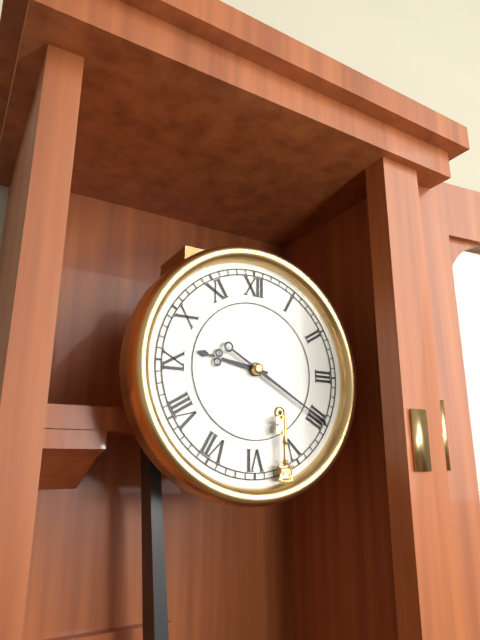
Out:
9,20
